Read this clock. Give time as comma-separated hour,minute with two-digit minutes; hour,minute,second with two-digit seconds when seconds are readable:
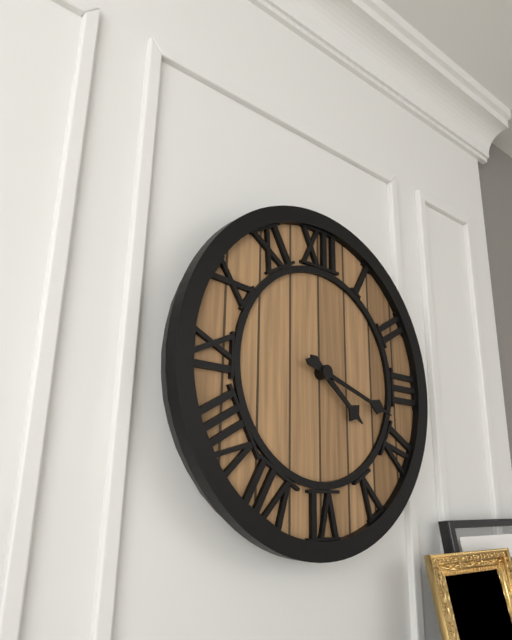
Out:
4,18
